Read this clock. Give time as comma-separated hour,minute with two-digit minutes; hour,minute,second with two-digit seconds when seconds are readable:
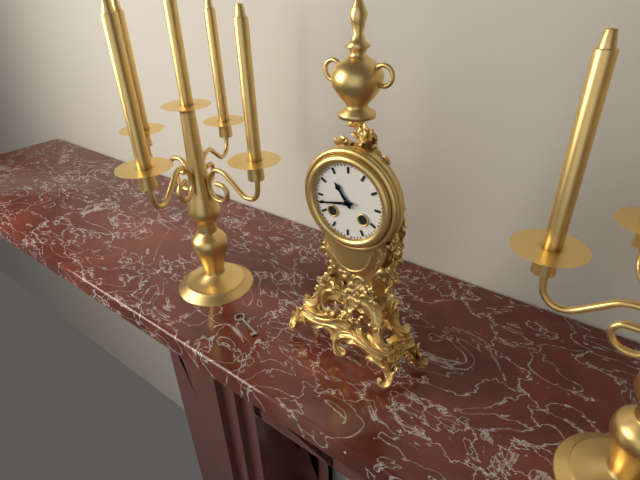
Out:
10,43
